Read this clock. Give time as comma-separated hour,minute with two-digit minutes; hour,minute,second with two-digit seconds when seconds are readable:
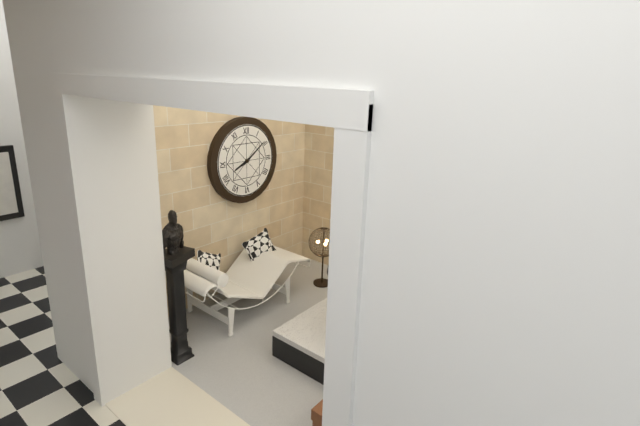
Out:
8,09
